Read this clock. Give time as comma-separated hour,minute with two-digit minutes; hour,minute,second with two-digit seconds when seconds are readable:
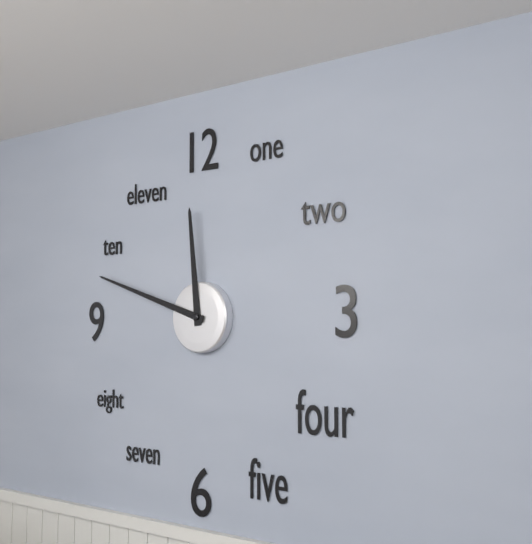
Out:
11,48
